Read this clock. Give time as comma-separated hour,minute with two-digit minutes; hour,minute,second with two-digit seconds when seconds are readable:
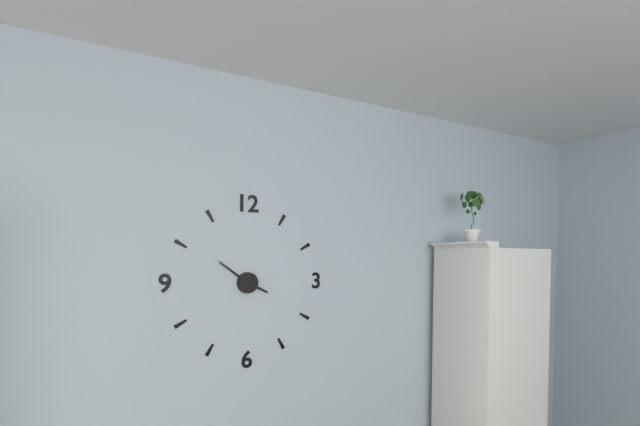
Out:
3,51
